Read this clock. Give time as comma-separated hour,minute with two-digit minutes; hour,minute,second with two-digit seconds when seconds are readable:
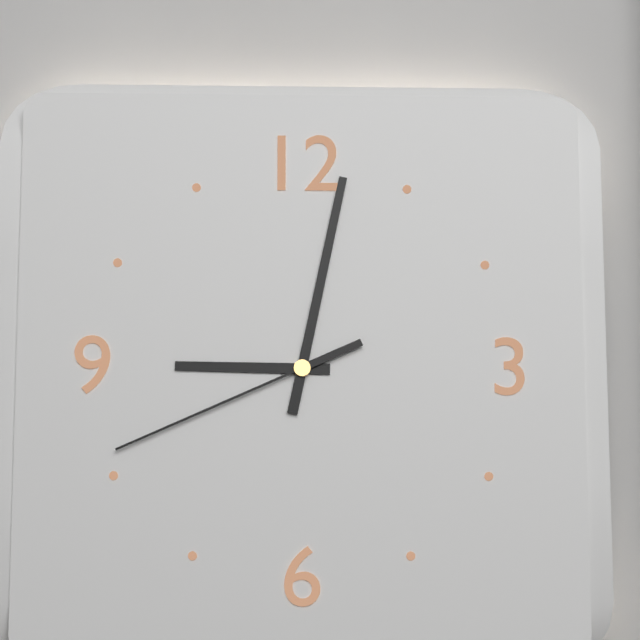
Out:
9,02,41
